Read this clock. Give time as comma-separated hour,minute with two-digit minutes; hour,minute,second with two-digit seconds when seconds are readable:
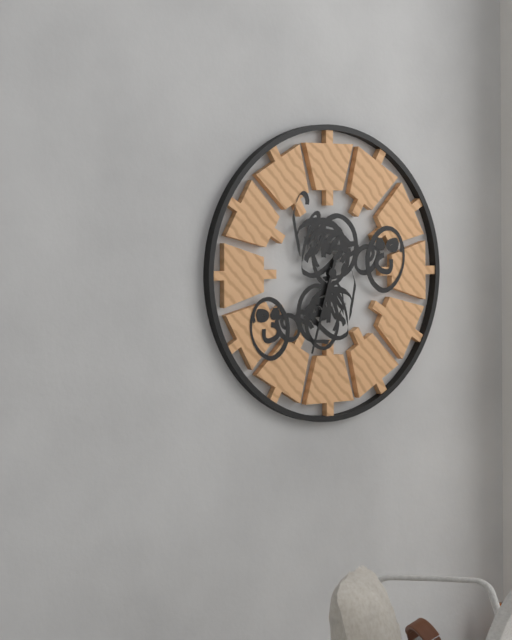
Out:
6,33
